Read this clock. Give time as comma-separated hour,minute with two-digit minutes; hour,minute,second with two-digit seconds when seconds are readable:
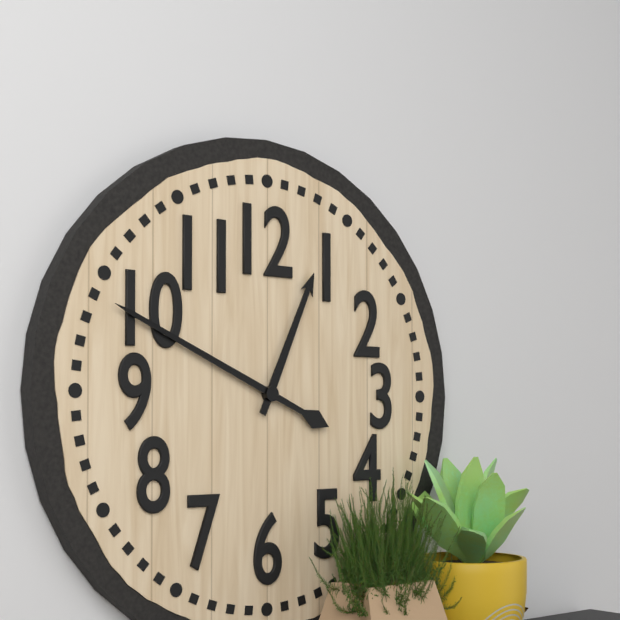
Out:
12,49
